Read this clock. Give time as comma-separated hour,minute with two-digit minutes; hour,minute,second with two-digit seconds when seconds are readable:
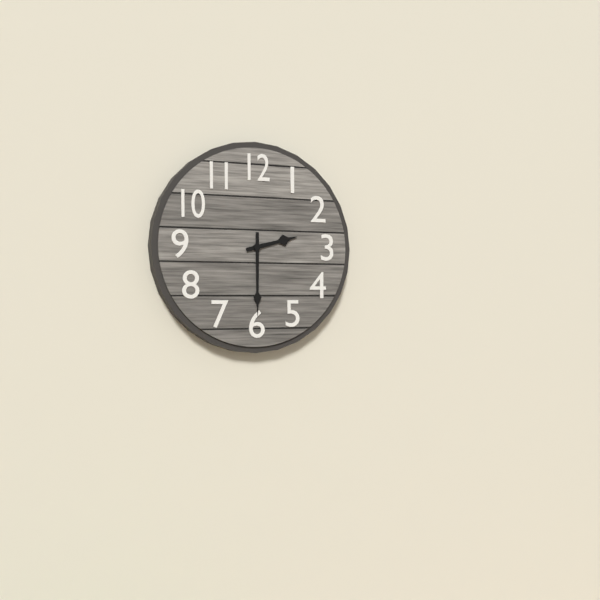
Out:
2,30
